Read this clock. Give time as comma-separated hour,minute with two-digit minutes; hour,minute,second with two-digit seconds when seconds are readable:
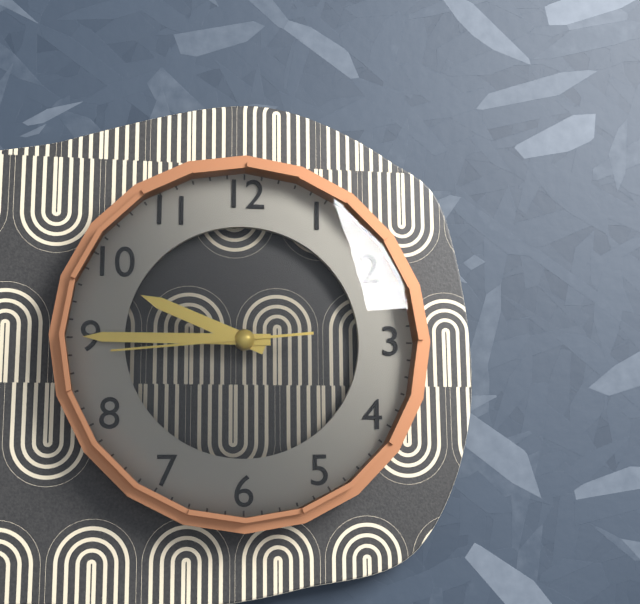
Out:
9,45,44
